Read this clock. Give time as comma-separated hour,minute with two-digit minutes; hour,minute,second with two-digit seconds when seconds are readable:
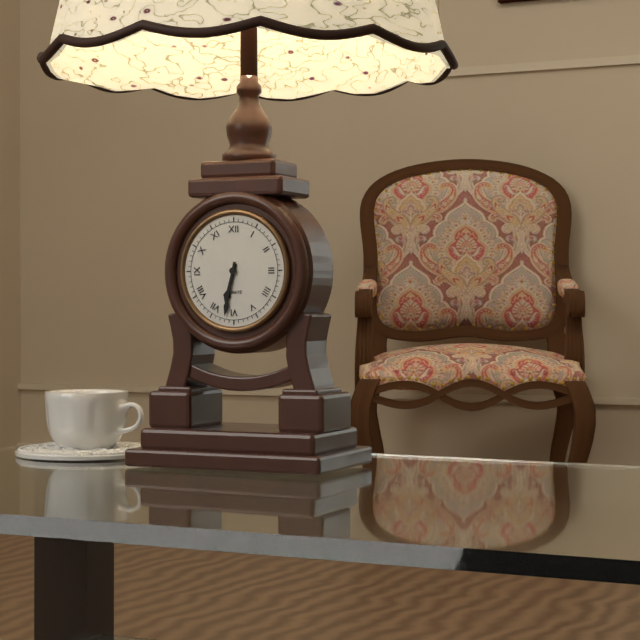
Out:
6,32
